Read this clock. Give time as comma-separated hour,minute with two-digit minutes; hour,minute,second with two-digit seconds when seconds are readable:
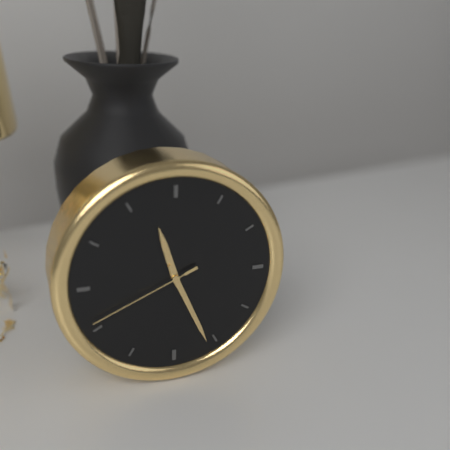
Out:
11,26,41
